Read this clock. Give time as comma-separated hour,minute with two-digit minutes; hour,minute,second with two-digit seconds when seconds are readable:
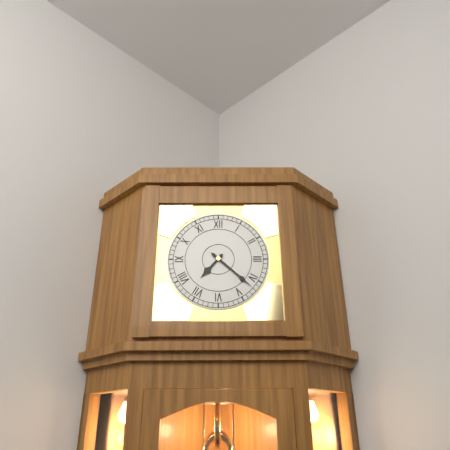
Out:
7,22
